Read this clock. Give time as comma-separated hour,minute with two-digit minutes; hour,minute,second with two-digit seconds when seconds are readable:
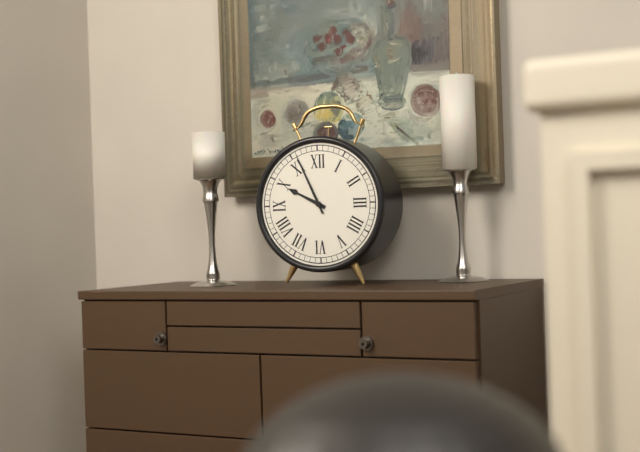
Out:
9,56
